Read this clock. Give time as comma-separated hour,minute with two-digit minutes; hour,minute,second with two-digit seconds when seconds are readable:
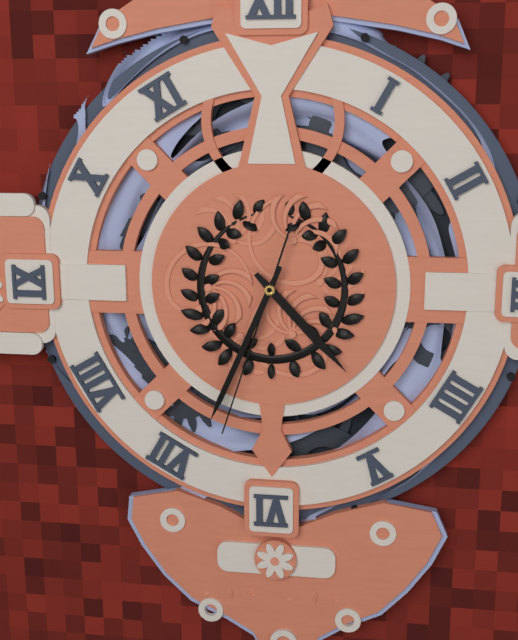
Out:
4,34,33
